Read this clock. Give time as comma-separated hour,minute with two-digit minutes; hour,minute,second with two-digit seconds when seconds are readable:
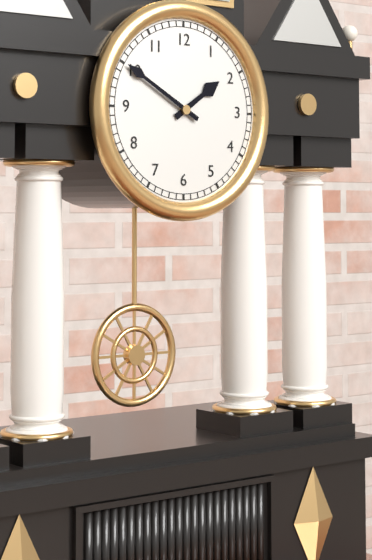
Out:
1,50
